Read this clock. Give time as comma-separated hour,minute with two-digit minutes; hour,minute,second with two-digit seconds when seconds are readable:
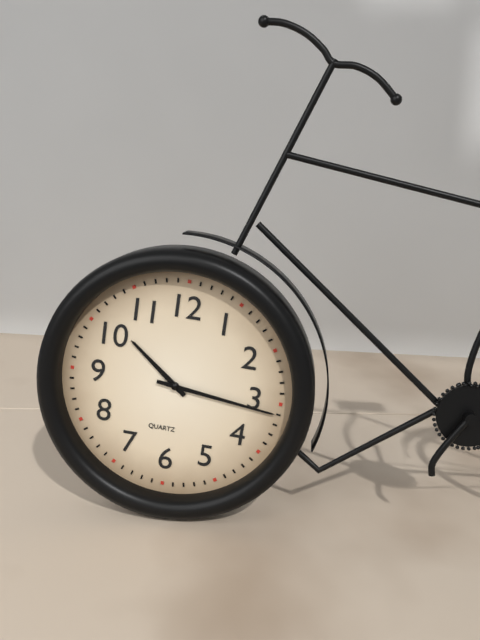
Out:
10,16
